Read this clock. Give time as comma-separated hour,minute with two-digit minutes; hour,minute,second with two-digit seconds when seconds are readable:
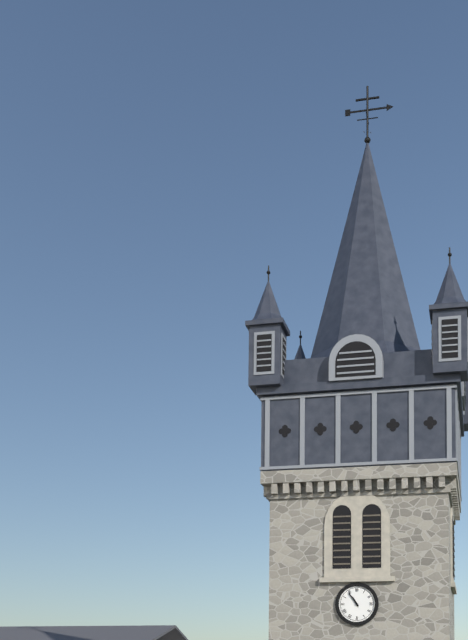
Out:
10,54
